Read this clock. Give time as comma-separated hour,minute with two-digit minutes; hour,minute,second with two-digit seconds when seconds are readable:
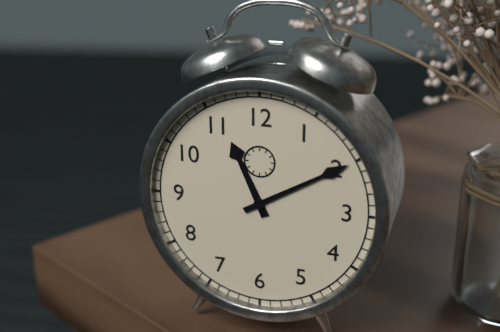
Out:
11,10
